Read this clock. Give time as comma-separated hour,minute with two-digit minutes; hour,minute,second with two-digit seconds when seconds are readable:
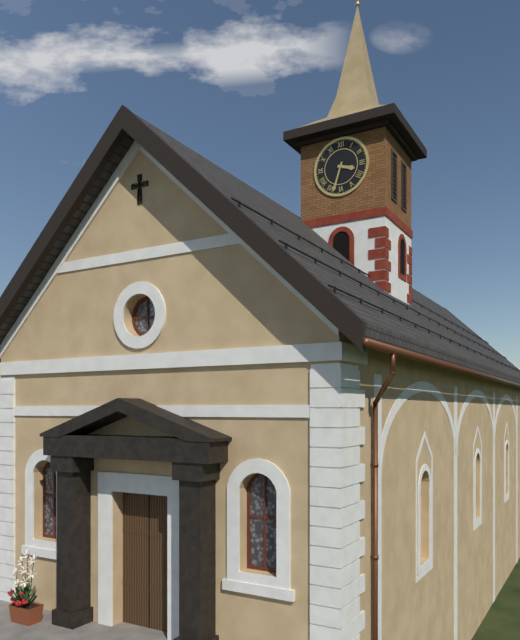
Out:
3,33
